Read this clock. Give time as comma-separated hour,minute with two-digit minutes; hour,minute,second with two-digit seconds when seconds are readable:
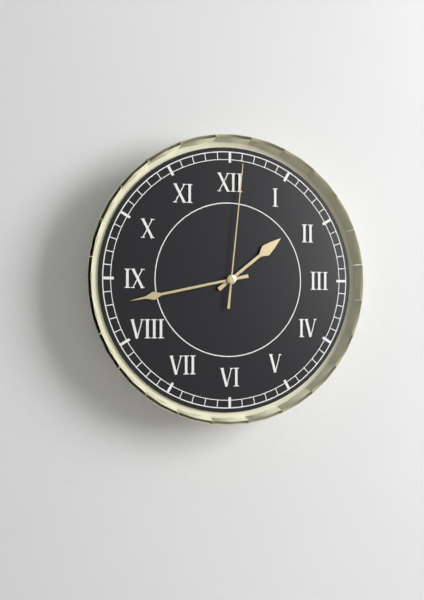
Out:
1,43,01
